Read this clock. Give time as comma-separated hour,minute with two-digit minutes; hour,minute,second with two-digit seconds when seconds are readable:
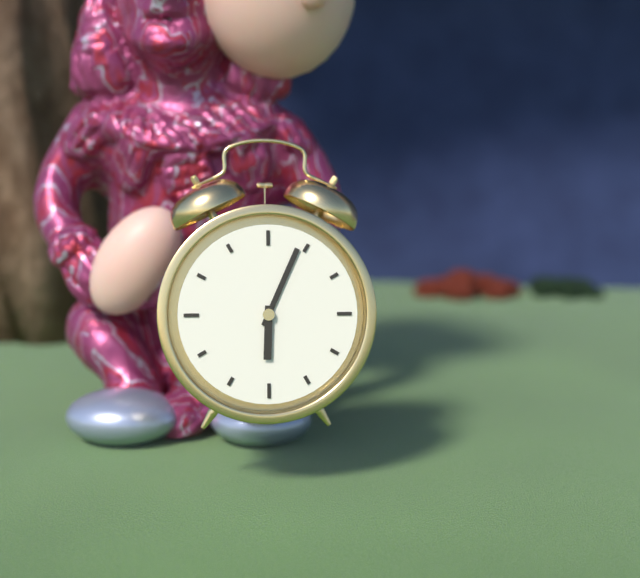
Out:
6,04
